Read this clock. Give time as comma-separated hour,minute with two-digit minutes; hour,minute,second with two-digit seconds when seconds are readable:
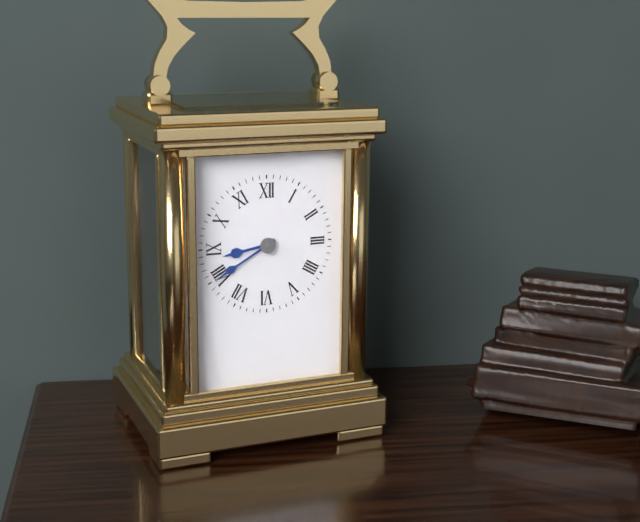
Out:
8,40
